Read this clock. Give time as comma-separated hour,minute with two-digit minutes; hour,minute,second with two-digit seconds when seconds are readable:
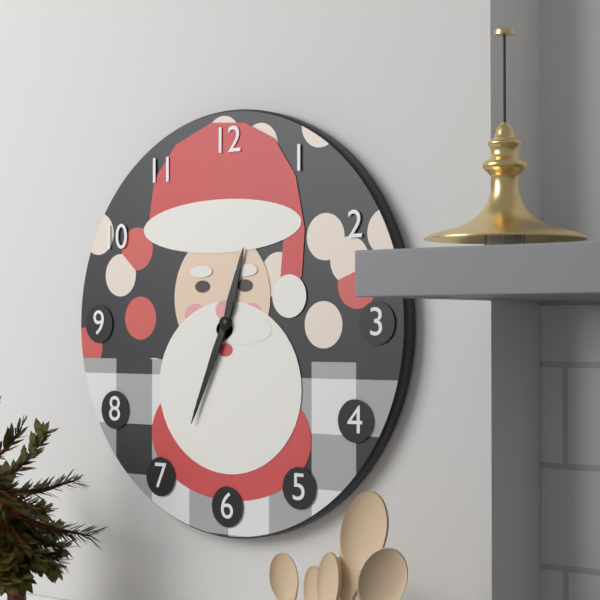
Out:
12,34
